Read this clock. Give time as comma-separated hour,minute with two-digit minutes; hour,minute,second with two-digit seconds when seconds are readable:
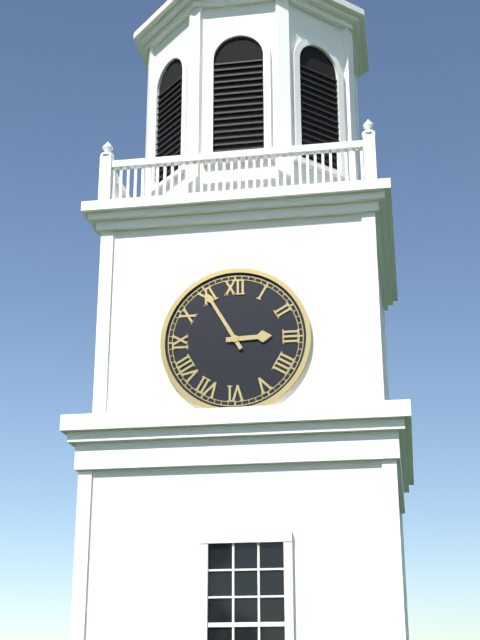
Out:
2,55
